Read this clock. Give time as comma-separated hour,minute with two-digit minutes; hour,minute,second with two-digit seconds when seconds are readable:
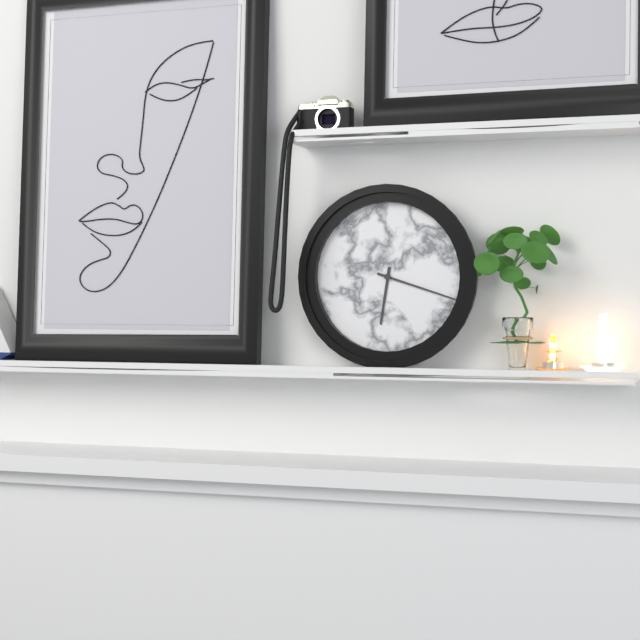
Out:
6,18
